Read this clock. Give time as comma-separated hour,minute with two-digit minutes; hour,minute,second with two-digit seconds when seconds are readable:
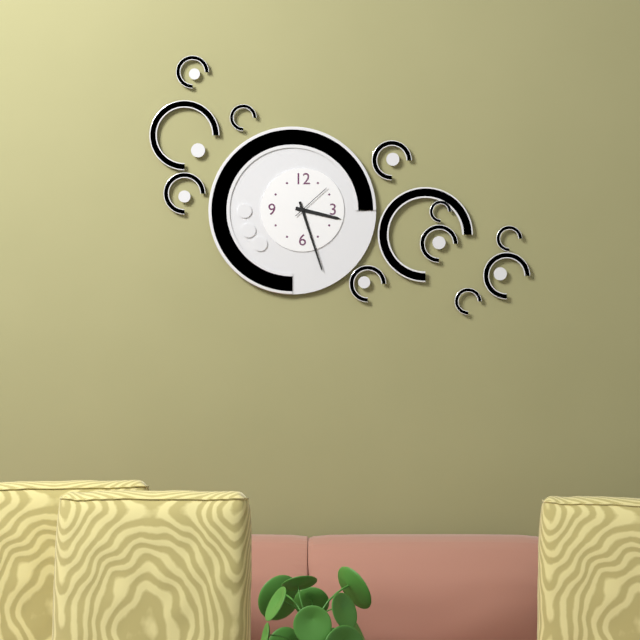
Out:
3,27
